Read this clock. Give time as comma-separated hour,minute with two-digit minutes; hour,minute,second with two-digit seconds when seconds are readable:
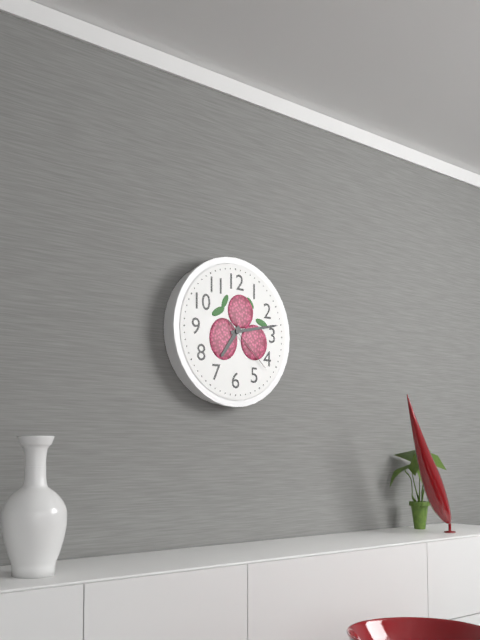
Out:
7,13,22
